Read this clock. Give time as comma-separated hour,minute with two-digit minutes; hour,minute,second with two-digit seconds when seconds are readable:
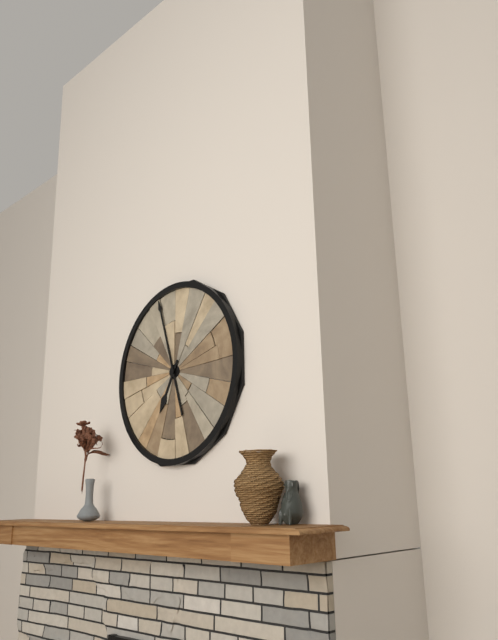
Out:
6,57
